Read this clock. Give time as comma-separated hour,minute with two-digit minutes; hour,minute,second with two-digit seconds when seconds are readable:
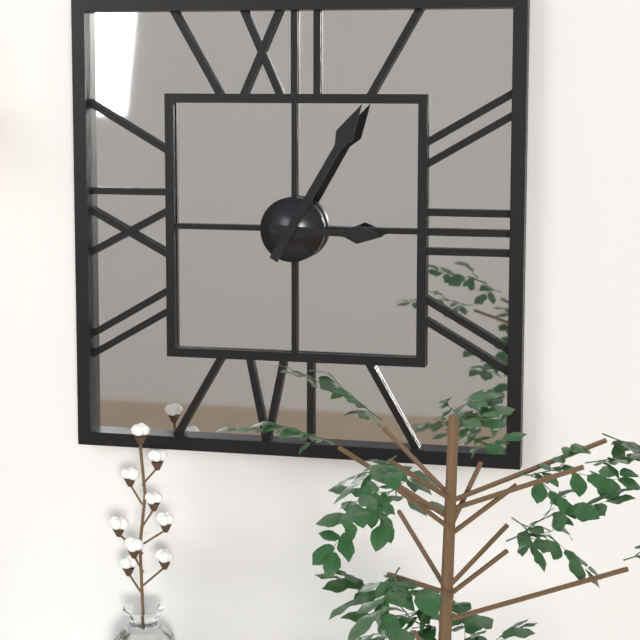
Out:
3,05
